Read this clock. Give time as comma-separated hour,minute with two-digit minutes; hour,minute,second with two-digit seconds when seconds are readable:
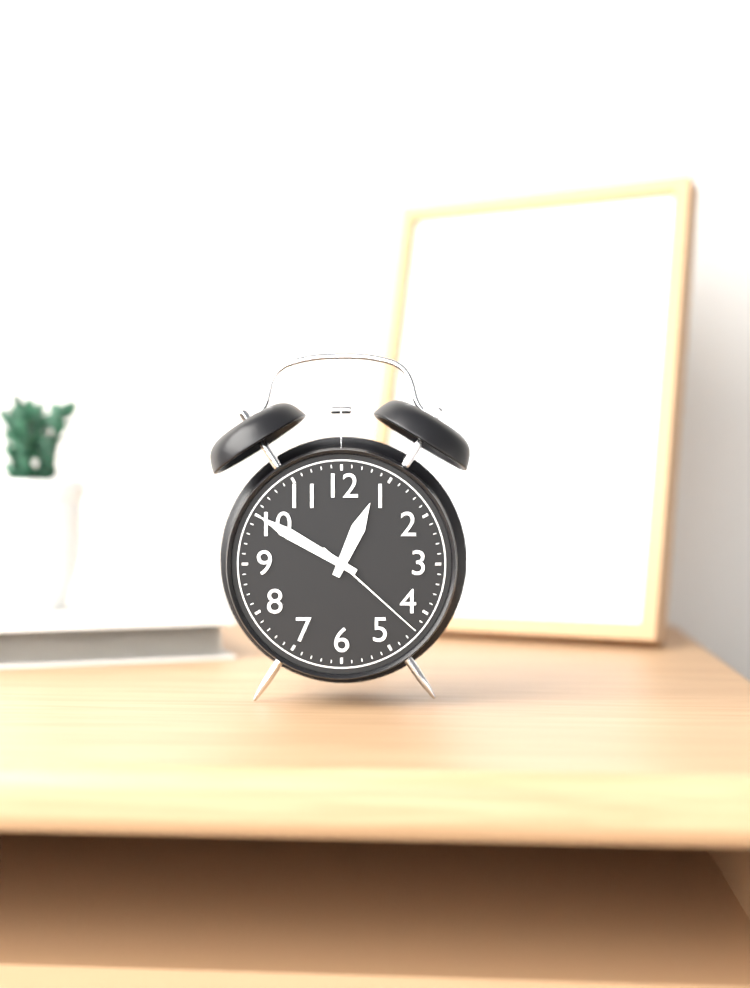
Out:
12,50,22
